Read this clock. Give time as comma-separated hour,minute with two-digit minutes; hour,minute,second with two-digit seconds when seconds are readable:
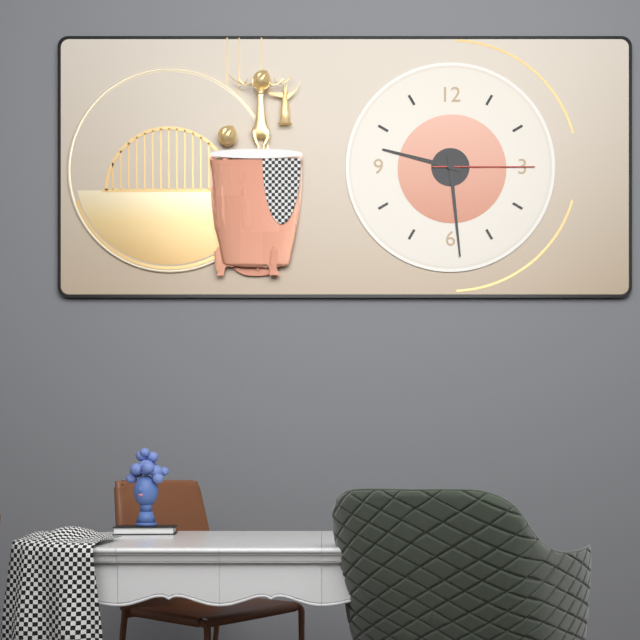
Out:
9,29,15
